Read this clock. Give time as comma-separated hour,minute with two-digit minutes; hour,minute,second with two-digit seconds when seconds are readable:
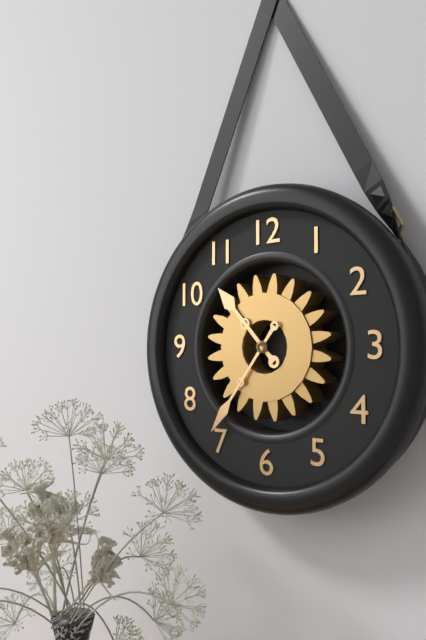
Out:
10,36
